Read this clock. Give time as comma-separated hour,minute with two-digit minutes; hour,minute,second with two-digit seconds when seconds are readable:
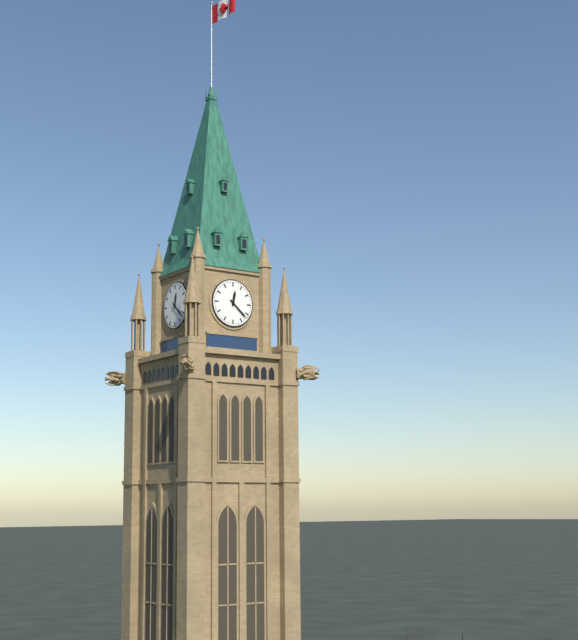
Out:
12,22
